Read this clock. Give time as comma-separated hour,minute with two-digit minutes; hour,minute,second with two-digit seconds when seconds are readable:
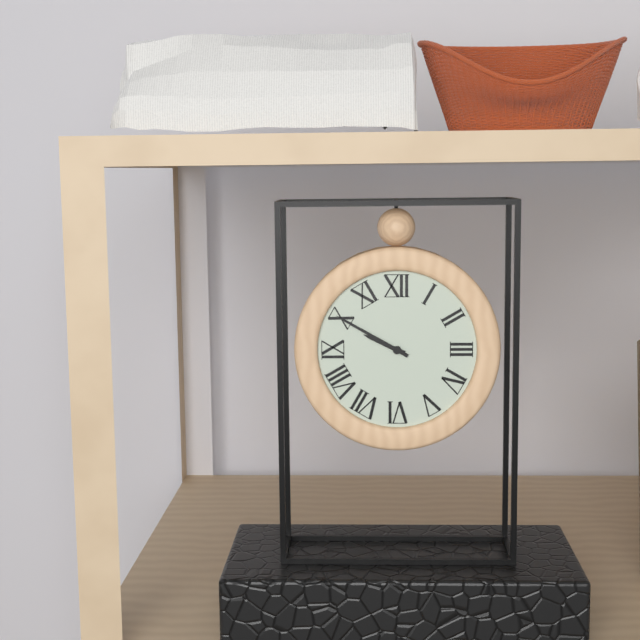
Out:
9,50
